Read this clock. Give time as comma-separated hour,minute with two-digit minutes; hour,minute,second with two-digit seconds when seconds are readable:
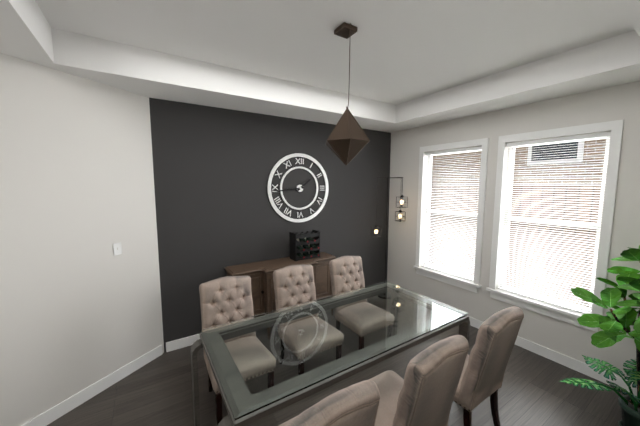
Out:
1,44
